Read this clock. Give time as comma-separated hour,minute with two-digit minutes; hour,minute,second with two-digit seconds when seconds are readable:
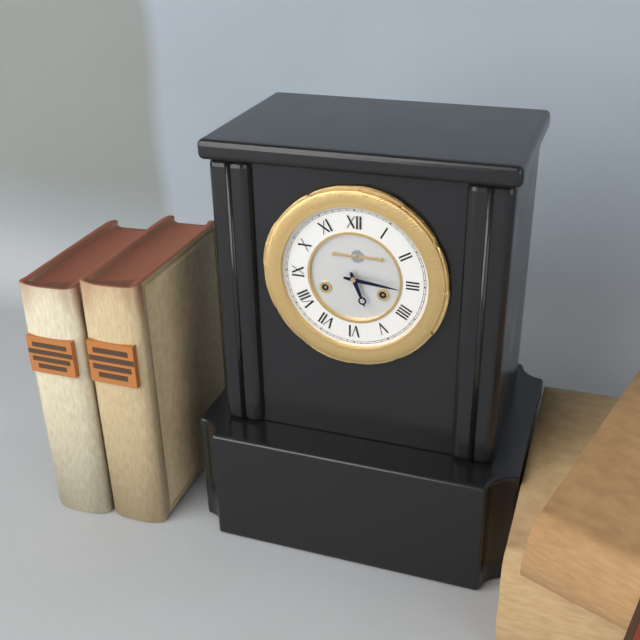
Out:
5,16
